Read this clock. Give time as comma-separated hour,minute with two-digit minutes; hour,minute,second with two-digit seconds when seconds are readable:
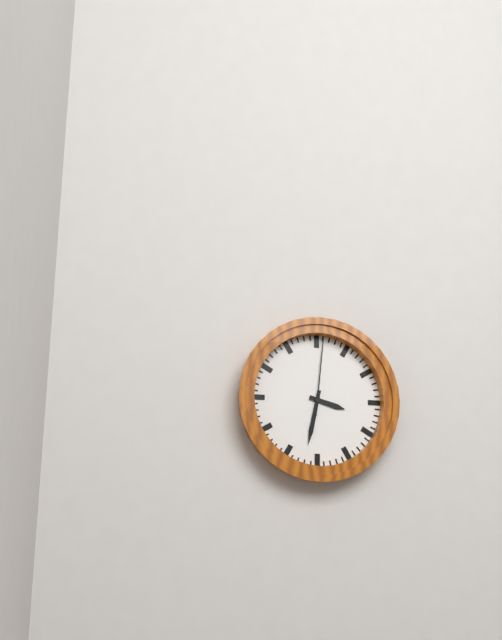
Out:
3,32,01
